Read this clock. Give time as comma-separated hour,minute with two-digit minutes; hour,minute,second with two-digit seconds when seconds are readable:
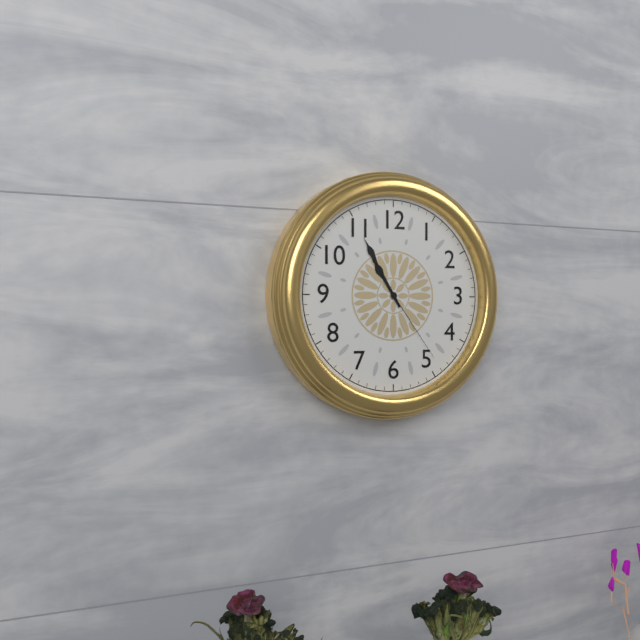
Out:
10,55,24
